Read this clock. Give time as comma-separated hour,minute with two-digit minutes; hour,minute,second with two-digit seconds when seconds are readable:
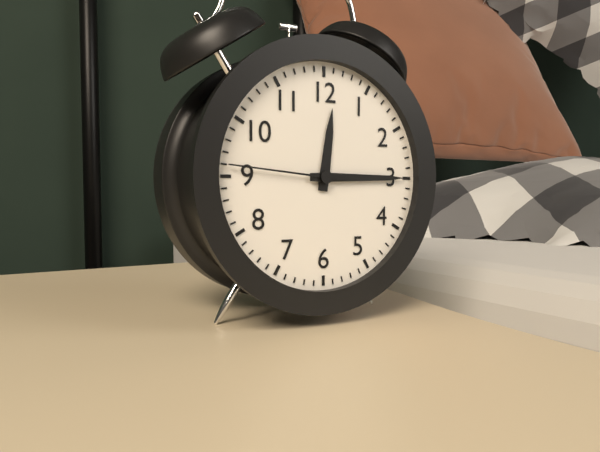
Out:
12,15,46
